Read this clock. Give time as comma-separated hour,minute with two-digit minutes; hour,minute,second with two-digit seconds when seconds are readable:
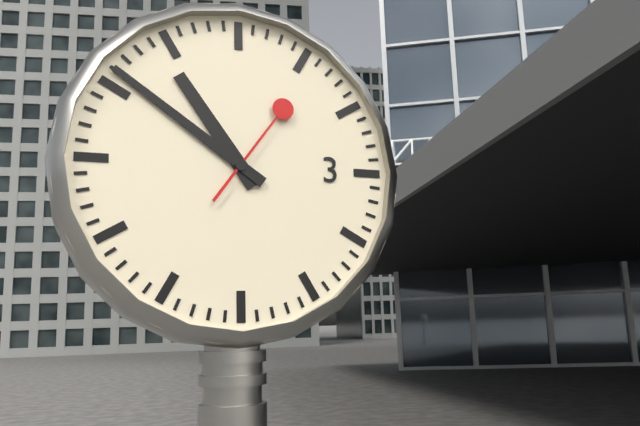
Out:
10,51,06
